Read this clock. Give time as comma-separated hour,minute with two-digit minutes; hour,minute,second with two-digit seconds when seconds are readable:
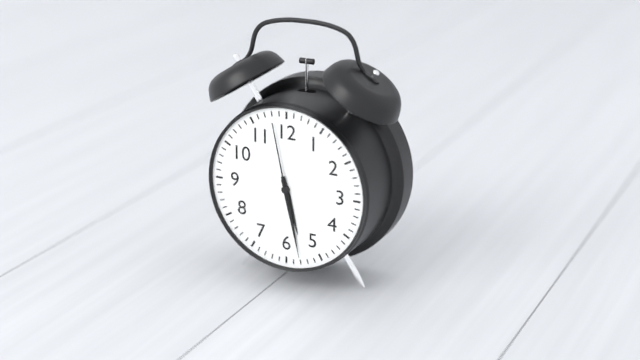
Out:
5,28,58
